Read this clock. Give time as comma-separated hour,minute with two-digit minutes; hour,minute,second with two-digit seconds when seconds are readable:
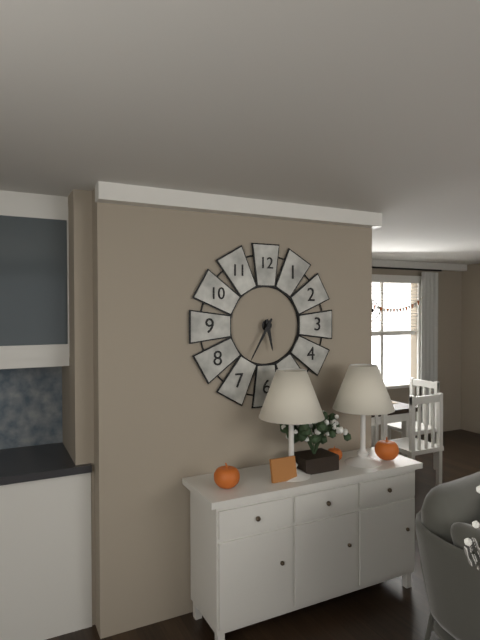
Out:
5,35
